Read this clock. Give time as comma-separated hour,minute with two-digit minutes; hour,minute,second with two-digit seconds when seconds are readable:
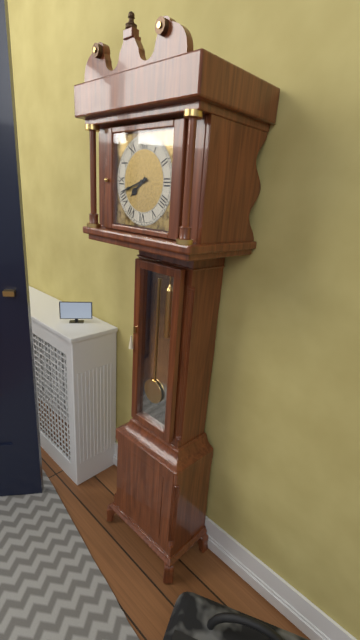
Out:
7,42
